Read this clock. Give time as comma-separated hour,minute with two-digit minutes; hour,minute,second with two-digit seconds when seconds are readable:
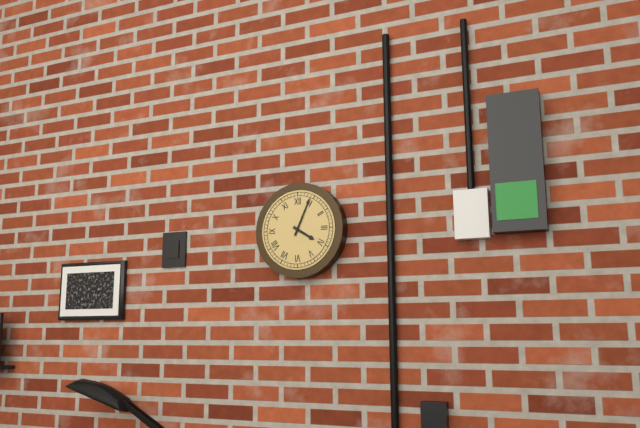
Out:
4,04
